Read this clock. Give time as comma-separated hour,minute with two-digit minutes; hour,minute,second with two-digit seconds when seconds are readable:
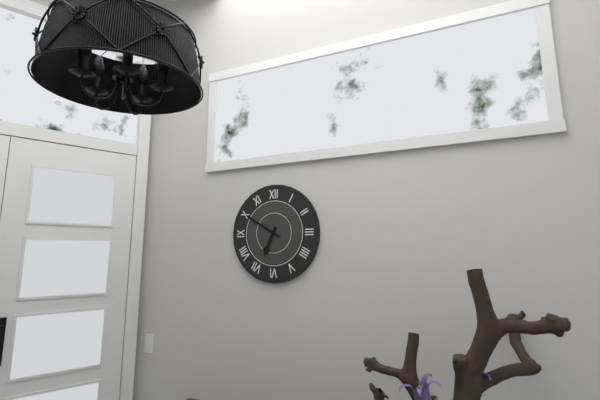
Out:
6,50
